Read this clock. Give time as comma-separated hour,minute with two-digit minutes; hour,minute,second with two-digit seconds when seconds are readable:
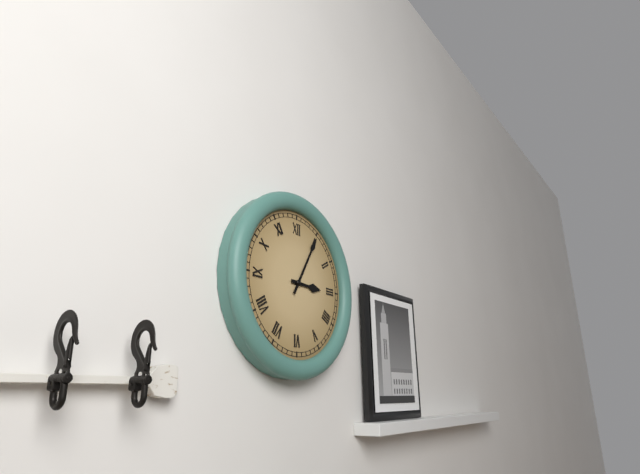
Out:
3,05
